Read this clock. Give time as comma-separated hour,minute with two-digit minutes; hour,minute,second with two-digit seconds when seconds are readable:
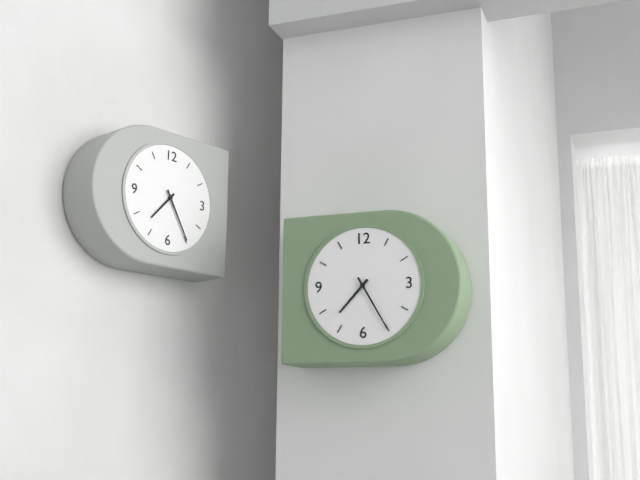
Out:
7,25
